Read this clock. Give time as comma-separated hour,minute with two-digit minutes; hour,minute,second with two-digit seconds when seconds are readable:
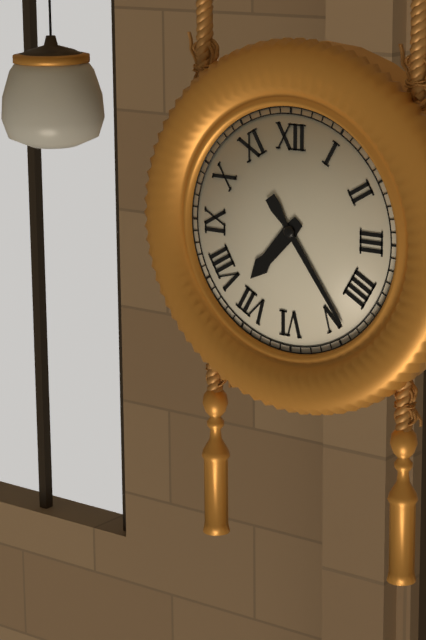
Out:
7,24
